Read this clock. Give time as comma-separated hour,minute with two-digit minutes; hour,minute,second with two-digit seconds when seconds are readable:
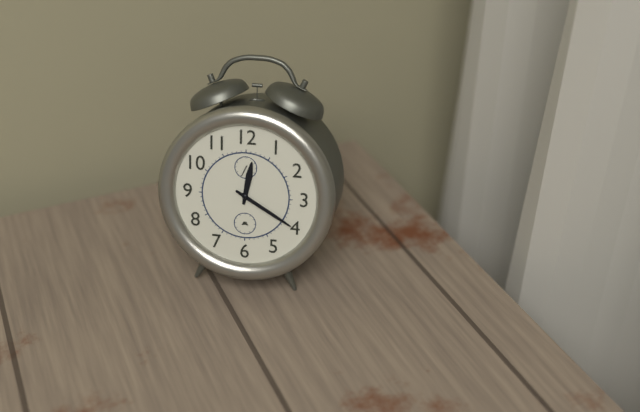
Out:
12,20
